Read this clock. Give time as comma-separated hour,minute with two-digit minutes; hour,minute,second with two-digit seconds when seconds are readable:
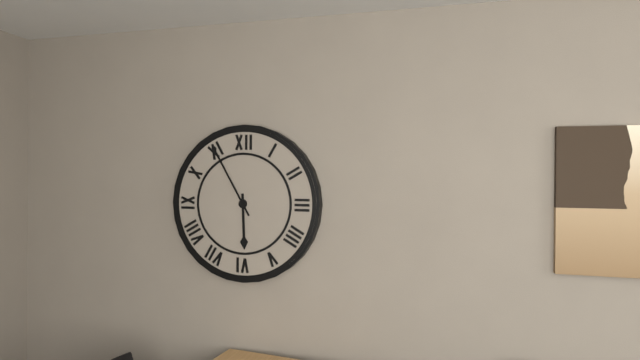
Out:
5,55
